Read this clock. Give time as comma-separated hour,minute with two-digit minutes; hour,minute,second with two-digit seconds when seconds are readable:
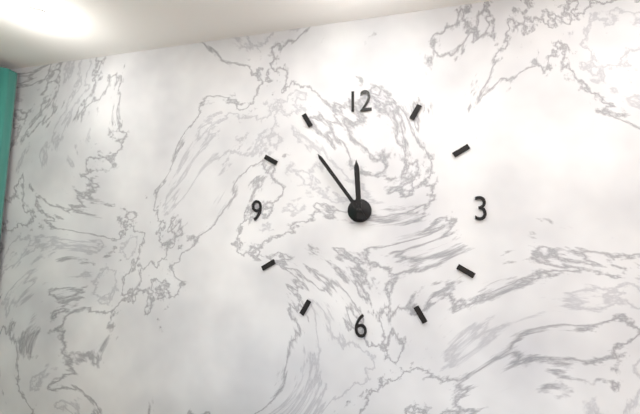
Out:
11,54
